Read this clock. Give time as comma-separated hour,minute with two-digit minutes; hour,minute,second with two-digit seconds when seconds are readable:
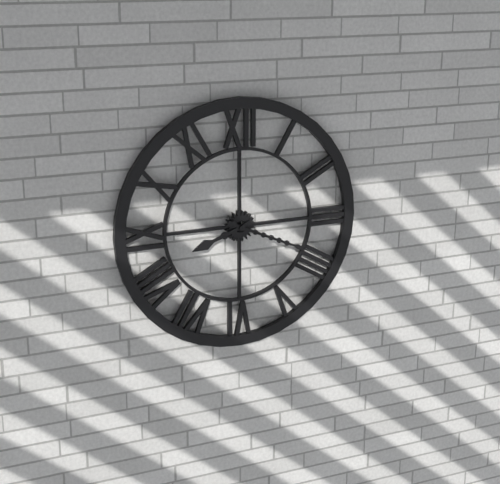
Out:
8,19
